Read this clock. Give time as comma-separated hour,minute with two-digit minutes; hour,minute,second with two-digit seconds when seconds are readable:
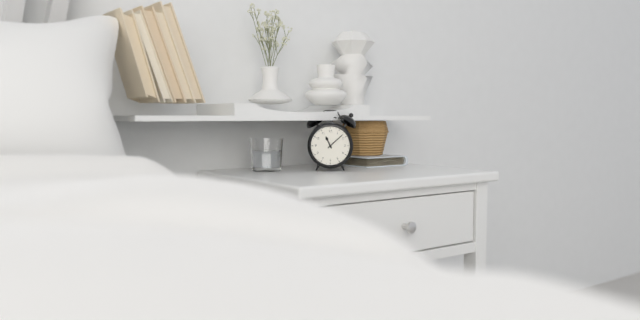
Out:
11,08
